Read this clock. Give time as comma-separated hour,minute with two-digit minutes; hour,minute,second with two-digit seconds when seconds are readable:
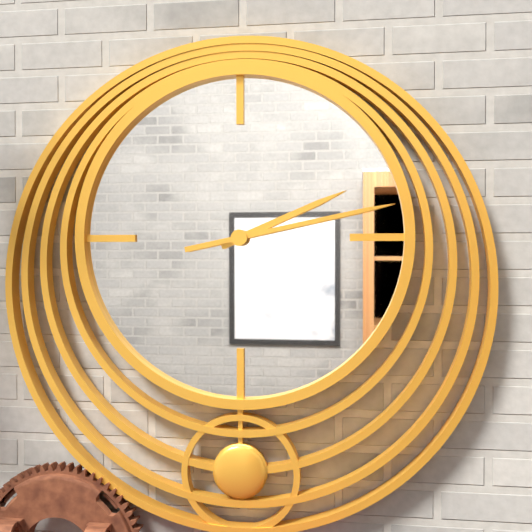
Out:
2,13
